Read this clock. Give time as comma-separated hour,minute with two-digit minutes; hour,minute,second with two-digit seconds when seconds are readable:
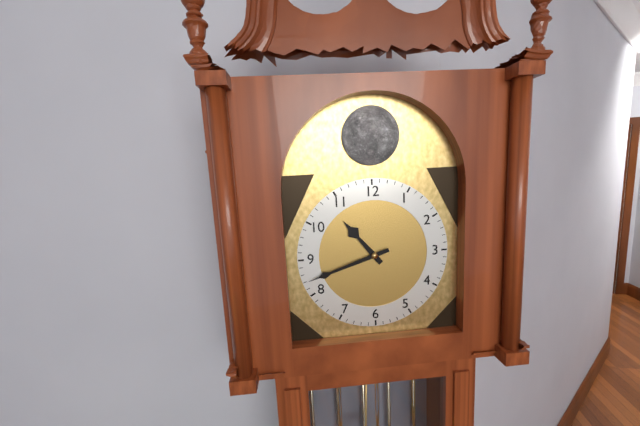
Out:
10,42
